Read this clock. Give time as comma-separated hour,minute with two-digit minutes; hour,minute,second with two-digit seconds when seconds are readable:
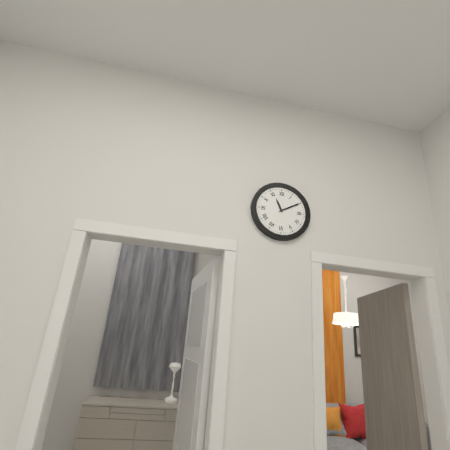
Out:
11,10
